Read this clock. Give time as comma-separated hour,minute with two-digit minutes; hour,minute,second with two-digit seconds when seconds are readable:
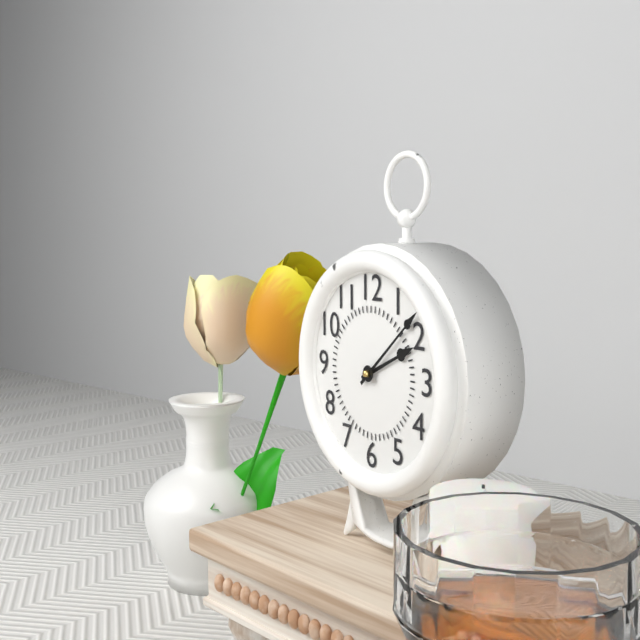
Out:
2,08
